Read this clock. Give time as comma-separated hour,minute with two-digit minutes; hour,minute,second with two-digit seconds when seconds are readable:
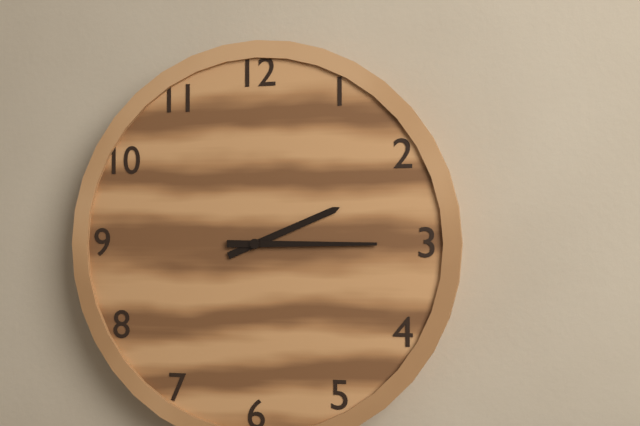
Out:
2,15
